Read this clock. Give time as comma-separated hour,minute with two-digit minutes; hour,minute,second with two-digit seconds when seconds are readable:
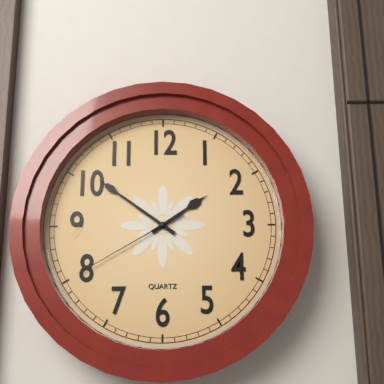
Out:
1,51,40
